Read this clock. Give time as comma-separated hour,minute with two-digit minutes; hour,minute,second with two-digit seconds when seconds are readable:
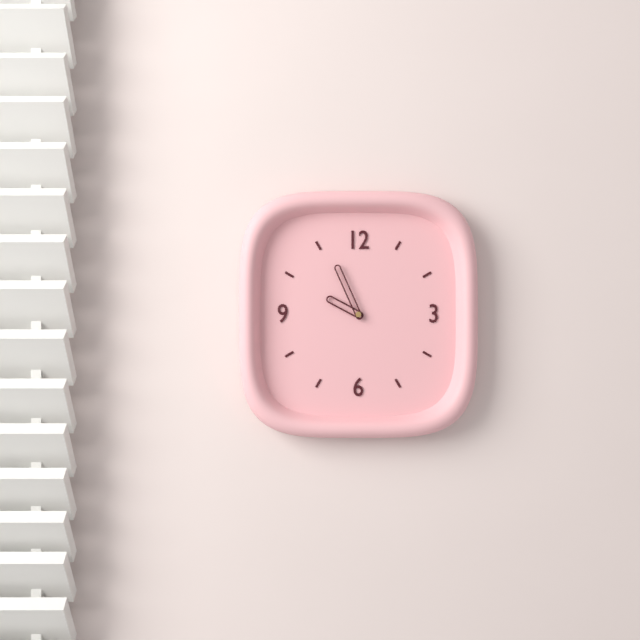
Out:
9,56
